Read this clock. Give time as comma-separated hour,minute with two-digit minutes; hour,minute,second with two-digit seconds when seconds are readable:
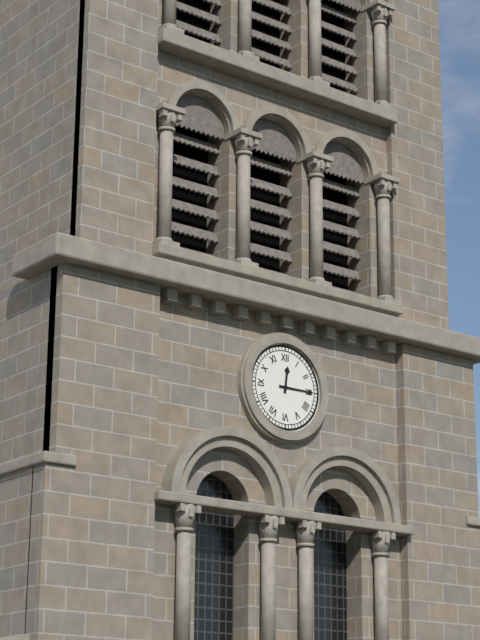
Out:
12,15
